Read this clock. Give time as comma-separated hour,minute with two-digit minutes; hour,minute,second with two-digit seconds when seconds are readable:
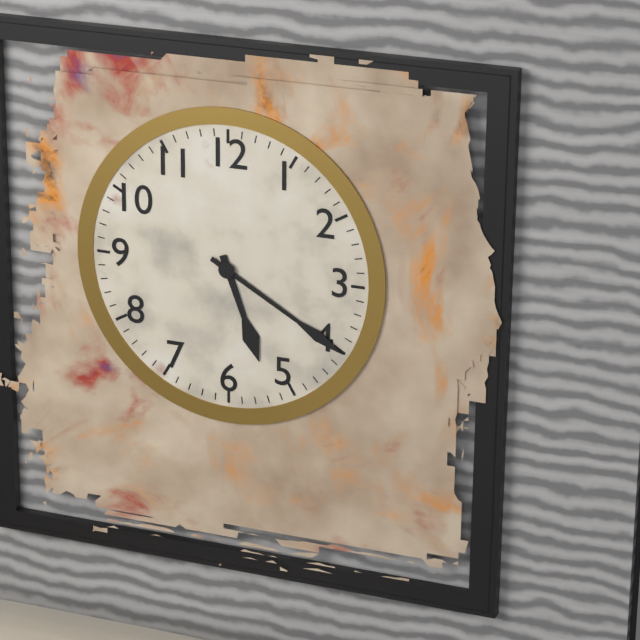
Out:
5,20
